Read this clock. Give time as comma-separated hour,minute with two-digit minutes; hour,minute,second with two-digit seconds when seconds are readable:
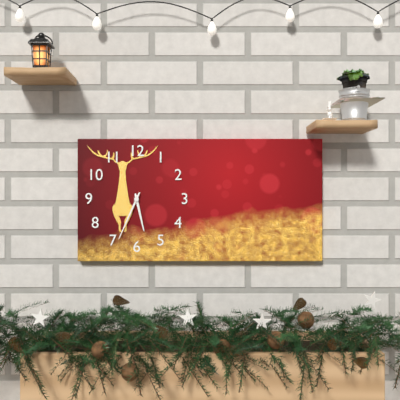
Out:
5,34
